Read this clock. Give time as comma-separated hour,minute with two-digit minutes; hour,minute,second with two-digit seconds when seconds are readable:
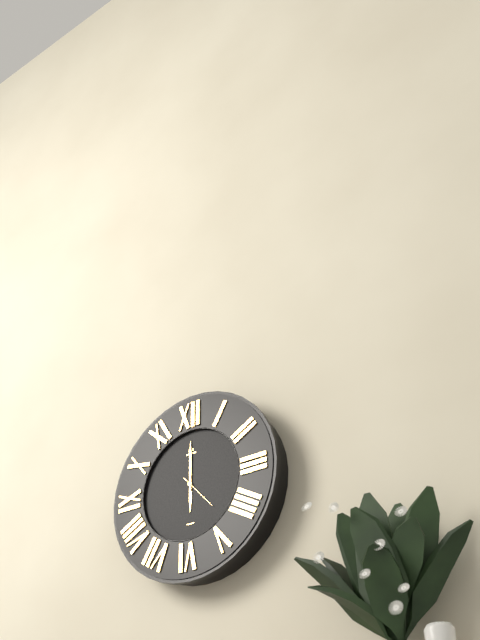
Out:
6,00
